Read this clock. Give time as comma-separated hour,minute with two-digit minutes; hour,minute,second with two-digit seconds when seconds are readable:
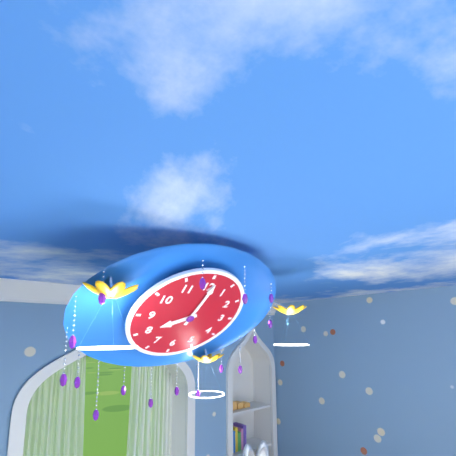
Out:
8,01
